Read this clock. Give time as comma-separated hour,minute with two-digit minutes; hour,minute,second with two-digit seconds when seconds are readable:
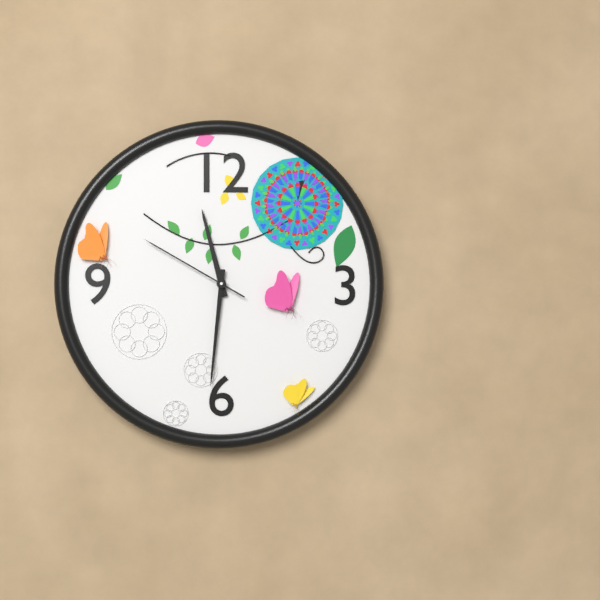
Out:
11,31,50
